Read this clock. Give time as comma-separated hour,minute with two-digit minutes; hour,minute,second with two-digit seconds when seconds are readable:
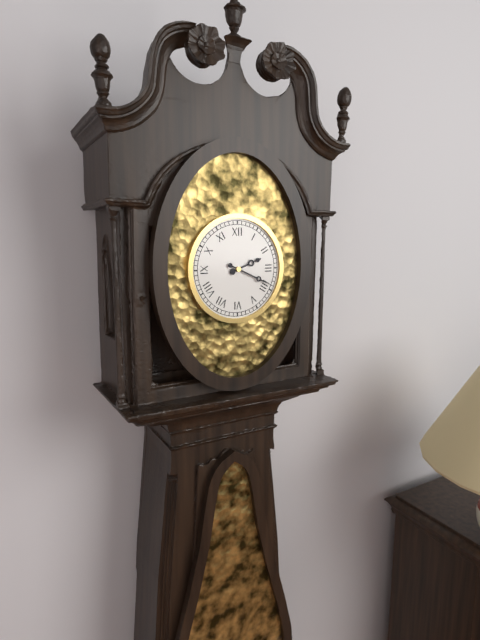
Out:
2,19
